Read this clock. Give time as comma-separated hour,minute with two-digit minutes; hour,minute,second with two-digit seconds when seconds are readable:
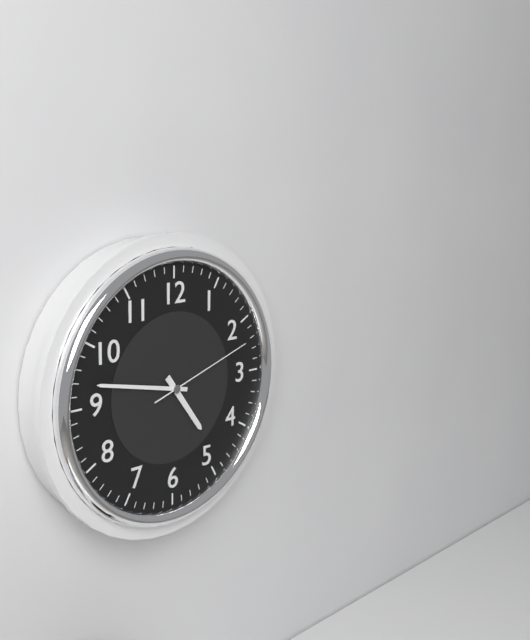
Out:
4,47,12
